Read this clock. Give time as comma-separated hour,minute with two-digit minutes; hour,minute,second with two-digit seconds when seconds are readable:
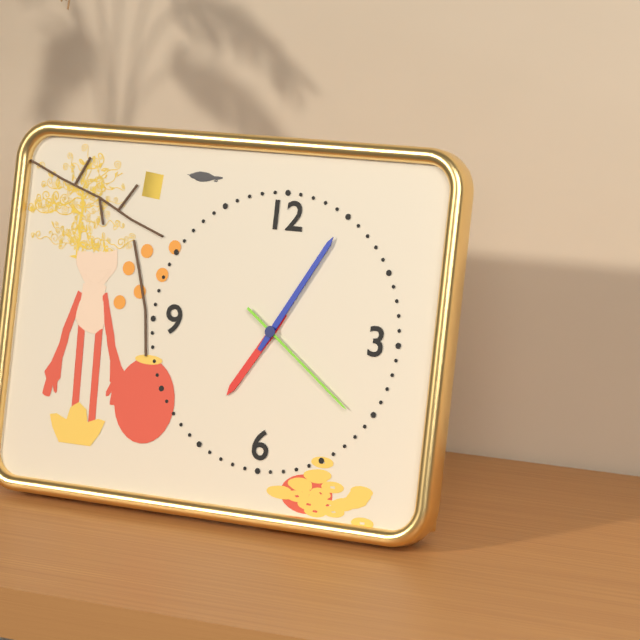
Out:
7,05,21
